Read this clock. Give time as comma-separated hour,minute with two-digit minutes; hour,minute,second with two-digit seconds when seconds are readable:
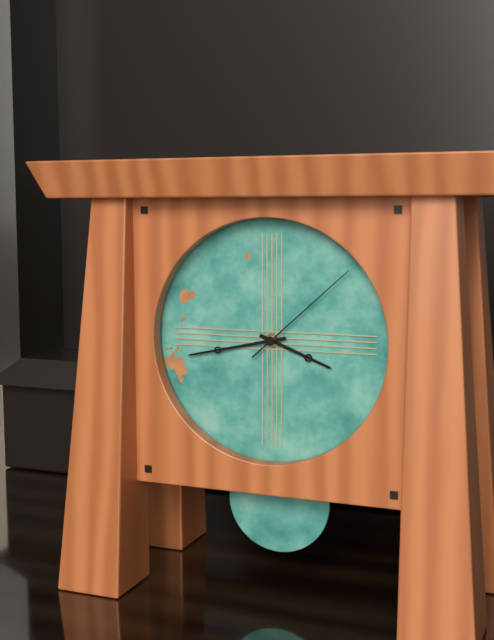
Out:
3,43,08
